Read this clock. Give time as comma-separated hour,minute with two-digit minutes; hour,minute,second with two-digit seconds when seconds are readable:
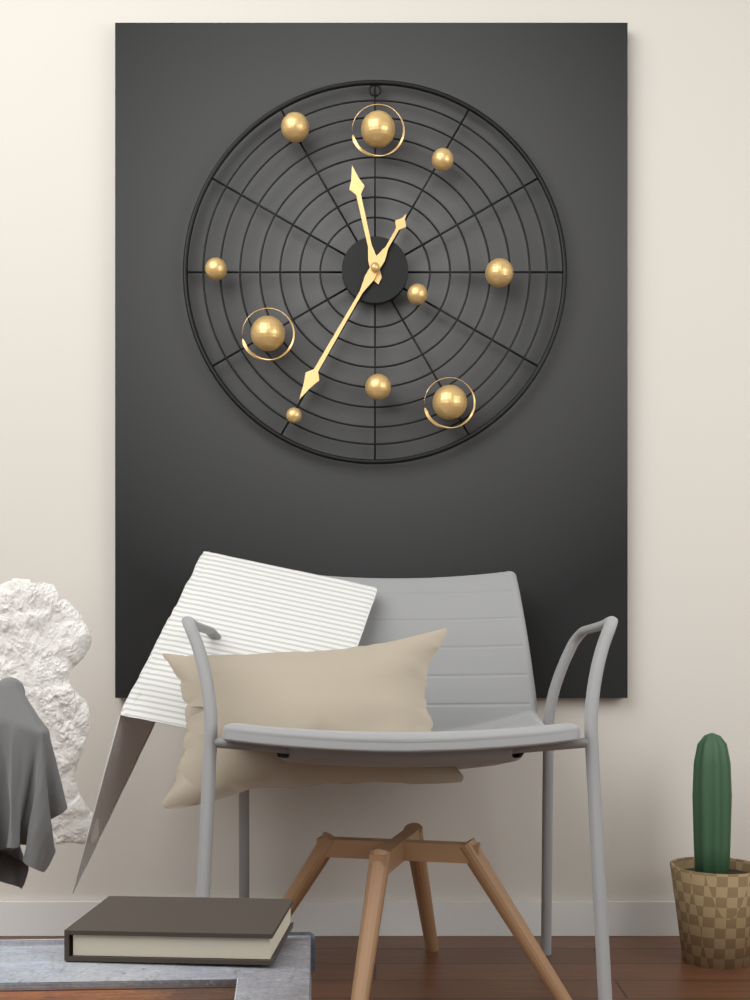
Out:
11,35
